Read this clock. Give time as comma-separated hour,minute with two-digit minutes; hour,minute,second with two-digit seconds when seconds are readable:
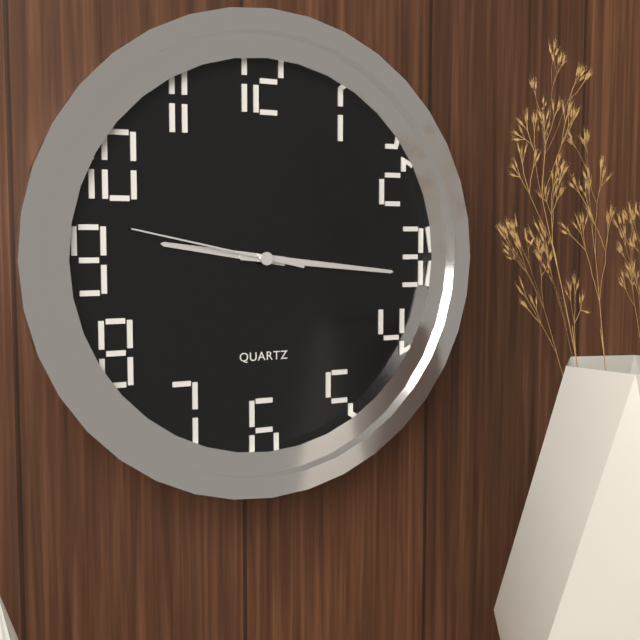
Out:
9,16,47
